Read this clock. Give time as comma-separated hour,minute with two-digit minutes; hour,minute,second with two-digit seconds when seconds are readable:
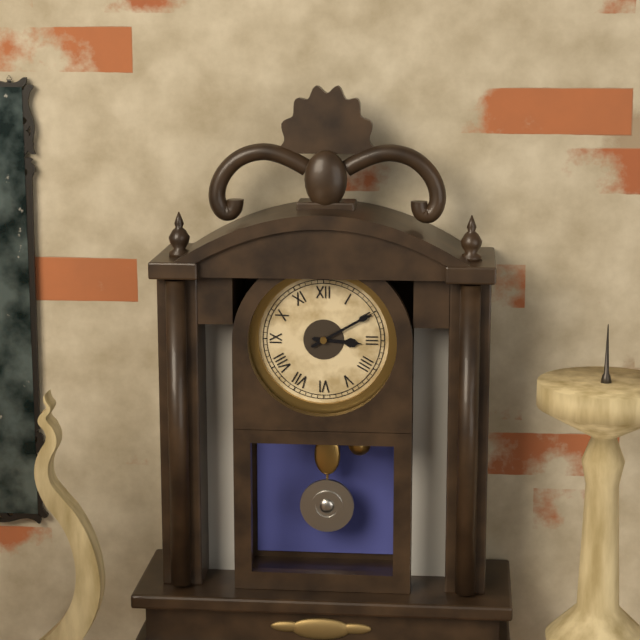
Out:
3,10
